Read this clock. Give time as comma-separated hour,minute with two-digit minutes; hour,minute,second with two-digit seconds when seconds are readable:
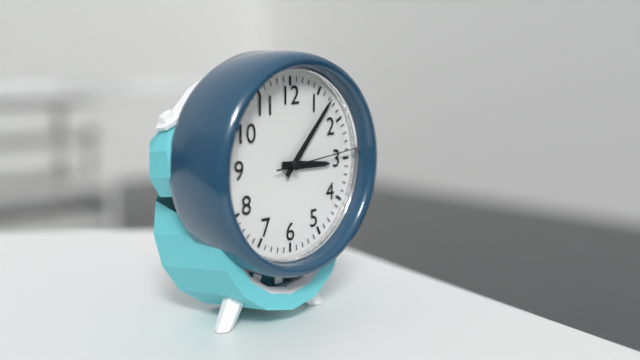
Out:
3,07,14
